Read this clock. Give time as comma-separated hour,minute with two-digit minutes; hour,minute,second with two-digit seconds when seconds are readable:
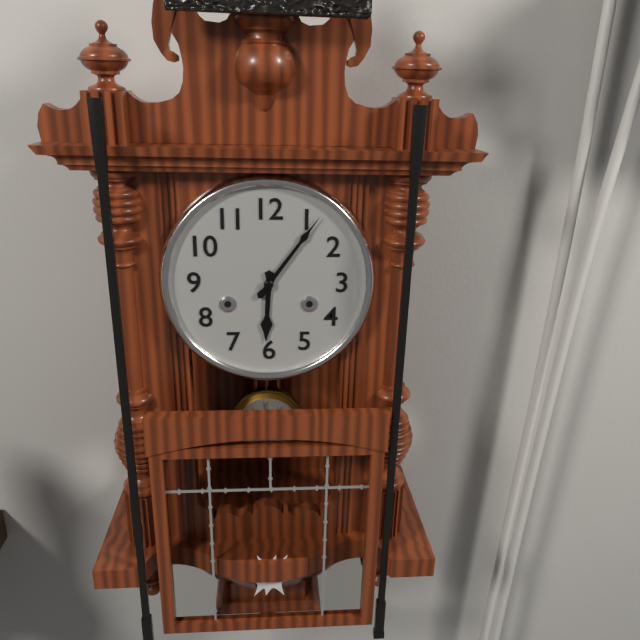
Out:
6,06
